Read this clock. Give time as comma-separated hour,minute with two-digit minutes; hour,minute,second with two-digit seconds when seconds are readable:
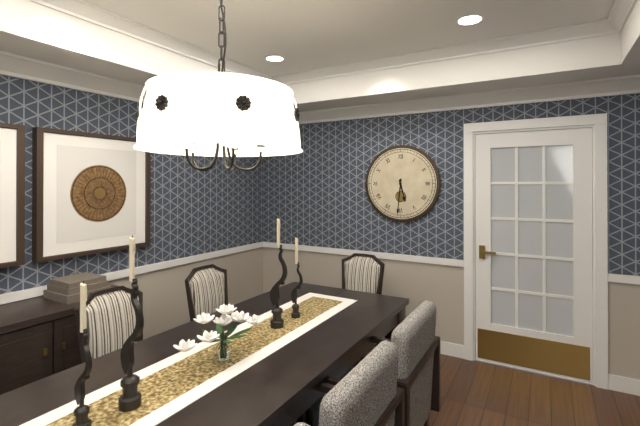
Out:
5,31
